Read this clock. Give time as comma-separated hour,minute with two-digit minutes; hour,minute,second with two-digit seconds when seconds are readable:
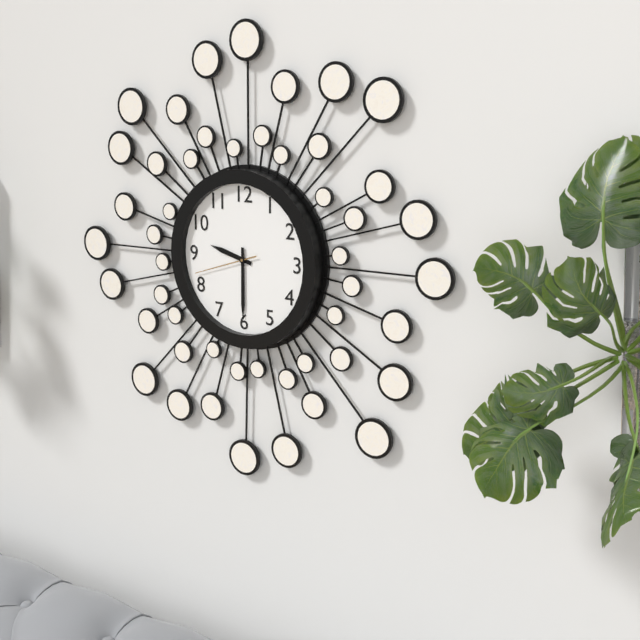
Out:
9,30,42
